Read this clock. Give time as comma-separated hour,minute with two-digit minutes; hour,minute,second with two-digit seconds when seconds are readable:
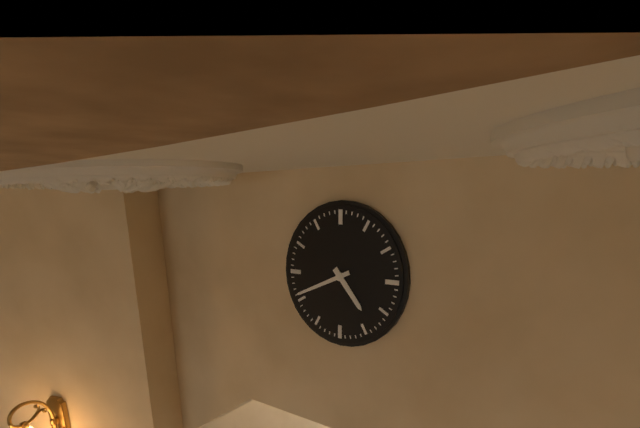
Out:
4,41
